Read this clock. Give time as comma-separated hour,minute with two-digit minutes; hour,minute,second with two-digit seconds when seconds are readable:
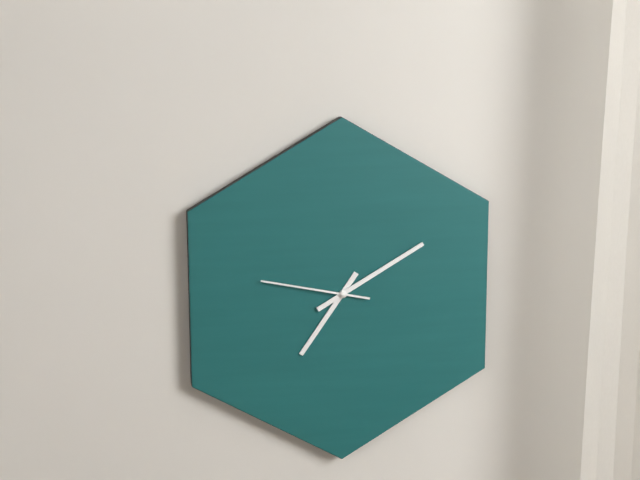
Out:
7,10,47
